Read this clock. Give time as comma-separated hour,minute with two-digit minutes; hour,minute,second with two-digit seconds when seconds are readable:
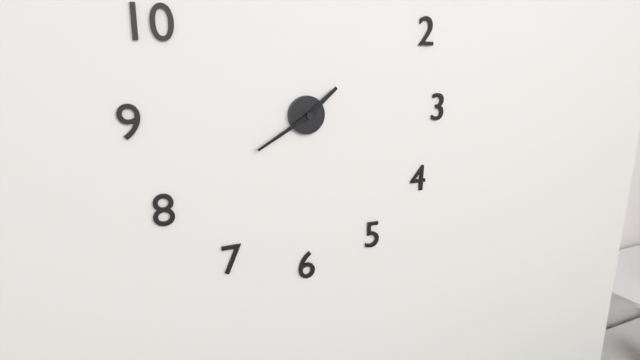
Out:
1,40
